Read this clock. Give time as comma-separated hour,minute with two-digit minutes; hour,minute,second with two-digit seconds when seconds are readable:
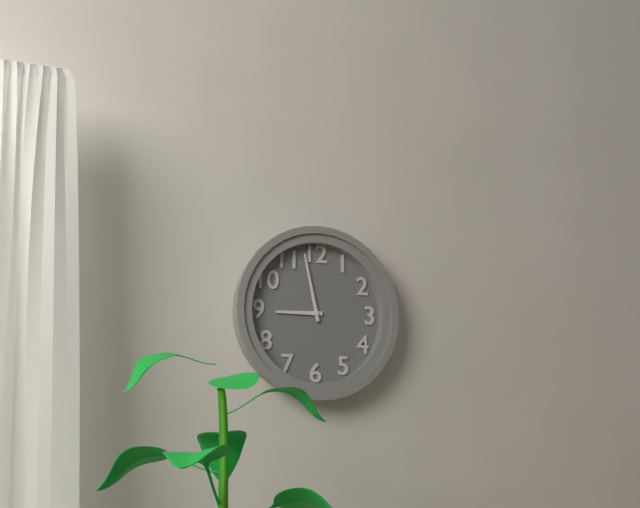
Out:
8,58
